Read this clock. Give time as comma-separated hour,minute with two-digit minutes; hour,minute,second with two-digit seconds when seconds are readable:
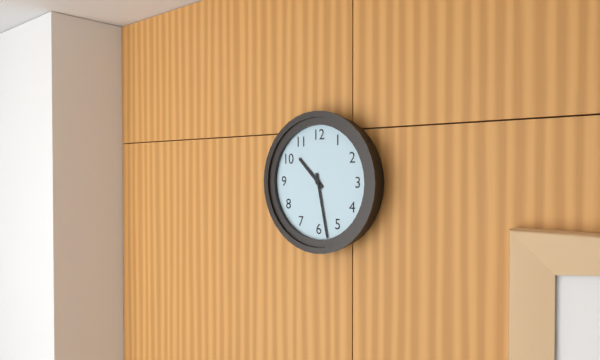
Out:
10,28
